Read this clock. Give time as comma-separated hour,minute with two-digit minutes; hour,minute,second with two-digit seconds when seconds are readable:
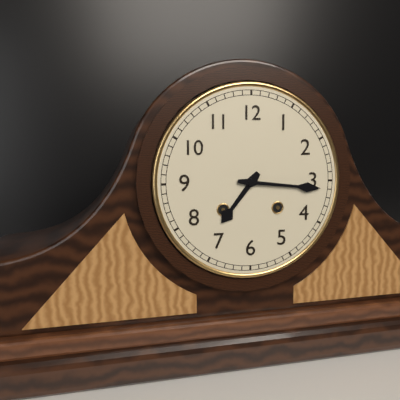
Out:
7,16
